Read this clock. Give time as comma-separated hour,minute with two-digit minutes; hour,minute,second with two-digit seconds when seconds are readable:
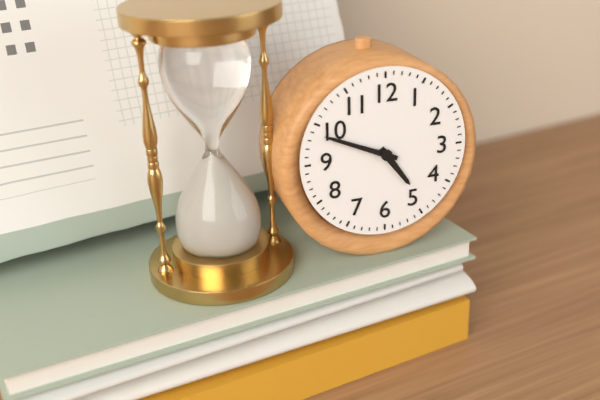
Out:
4,49
